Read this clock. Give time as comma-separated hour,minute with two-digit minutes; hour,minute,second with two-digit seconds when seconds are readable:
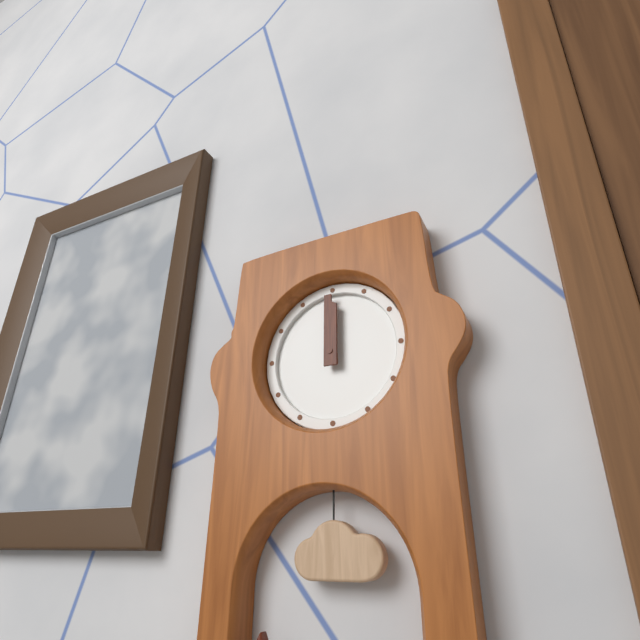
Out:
12,00
